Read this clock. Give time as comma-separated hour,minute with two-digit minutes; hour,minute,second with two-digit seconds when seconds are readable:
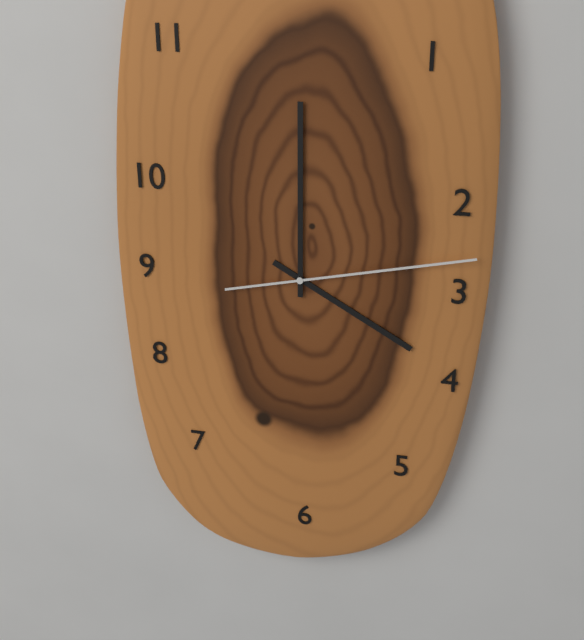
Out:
4,00,13
